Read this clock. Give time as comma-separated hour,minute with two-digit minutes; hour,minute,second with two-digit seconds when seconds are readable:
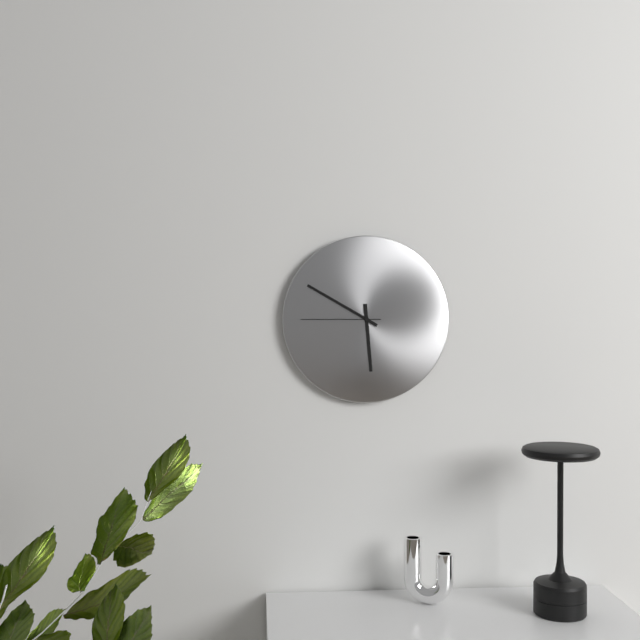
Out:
5,50,45
